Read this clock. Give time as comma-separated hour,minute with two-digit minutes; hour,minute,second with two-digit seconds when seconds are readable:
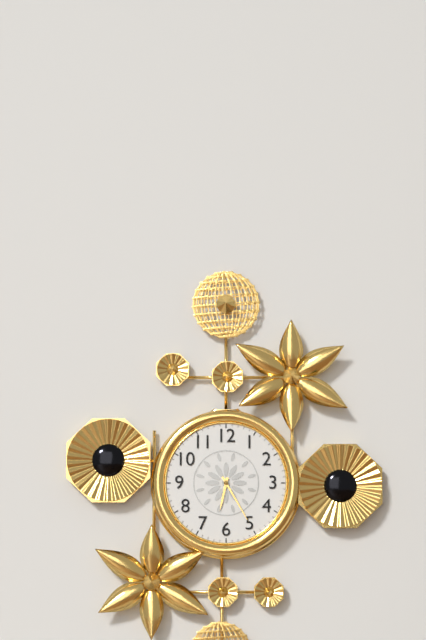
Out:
6,25
